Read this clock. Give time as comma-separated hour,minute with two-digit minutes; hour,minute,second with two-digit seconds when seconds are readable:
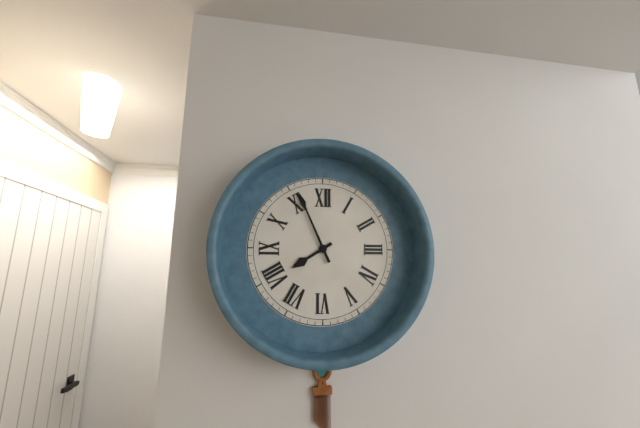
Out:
7,56
